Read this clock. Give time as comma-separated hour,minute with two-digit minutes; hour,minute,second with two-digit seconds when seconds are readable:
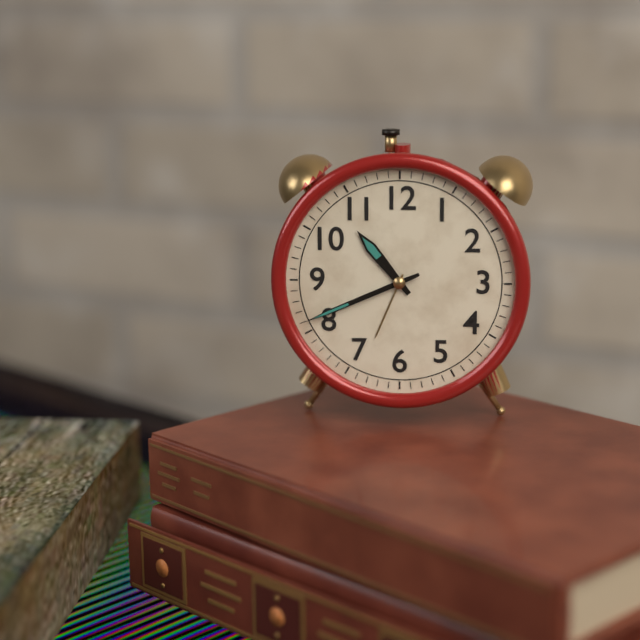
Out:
10,41
